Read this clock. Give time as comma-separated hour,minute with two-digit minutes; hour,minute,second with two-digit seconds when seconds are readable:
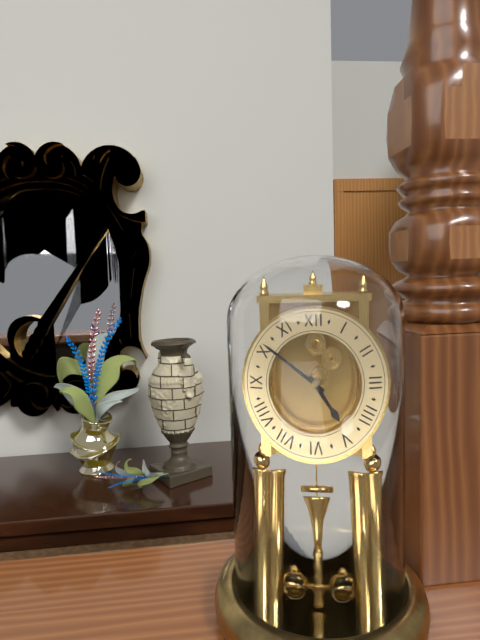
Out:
4,51
